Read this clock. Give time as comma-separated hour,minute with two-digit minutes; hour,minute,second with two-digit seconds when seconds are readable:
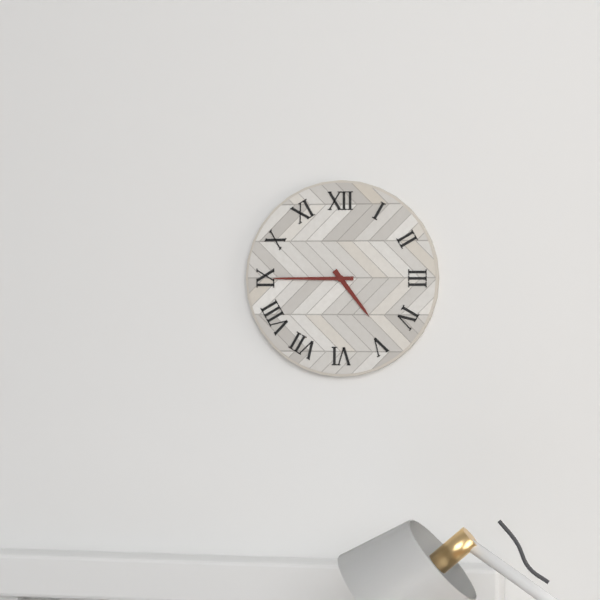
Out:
4,45
